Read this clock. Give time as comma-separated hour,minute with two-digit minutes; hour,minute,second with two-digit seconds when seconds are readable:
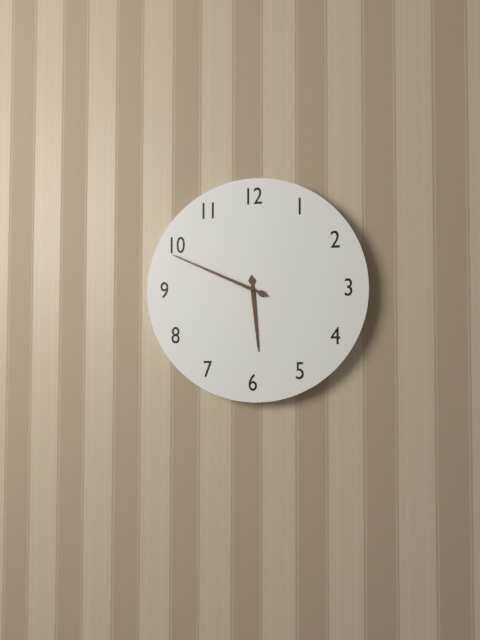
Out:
5,49
